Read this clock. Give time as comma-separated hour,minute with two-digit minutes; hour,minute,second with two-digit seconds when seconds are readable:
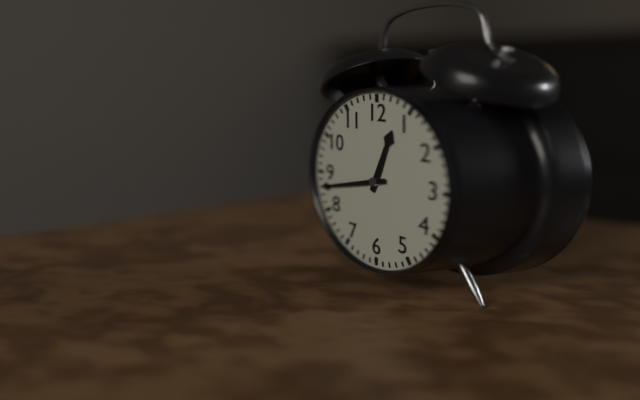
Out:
12,43
